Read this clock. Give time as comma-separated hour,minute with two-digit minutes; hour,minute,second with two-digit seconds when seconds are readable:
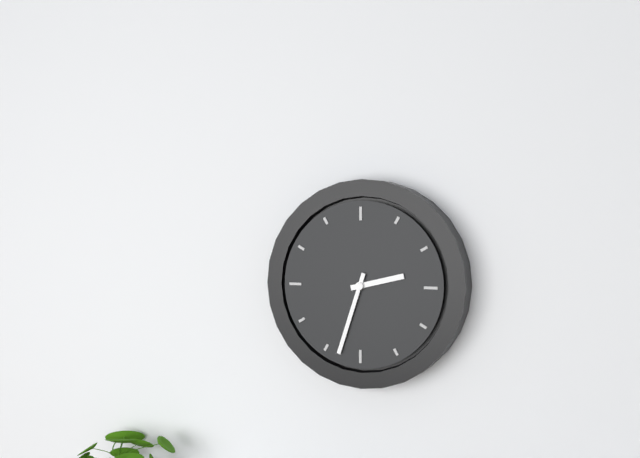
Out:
2,33
